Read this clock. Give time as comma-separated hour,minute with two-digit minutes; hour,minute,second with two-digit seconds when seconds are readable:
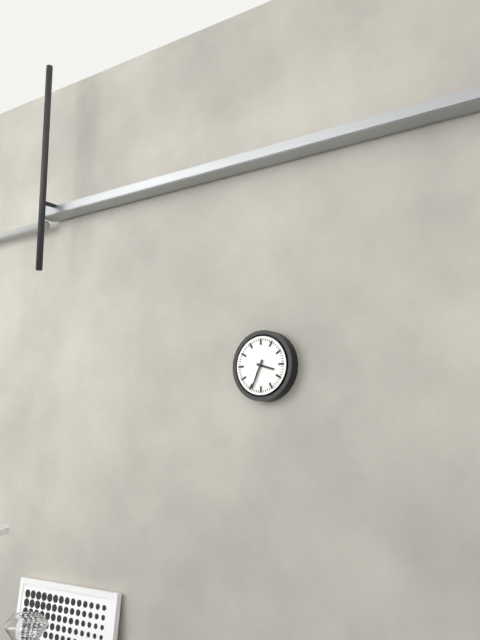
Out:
3,34
